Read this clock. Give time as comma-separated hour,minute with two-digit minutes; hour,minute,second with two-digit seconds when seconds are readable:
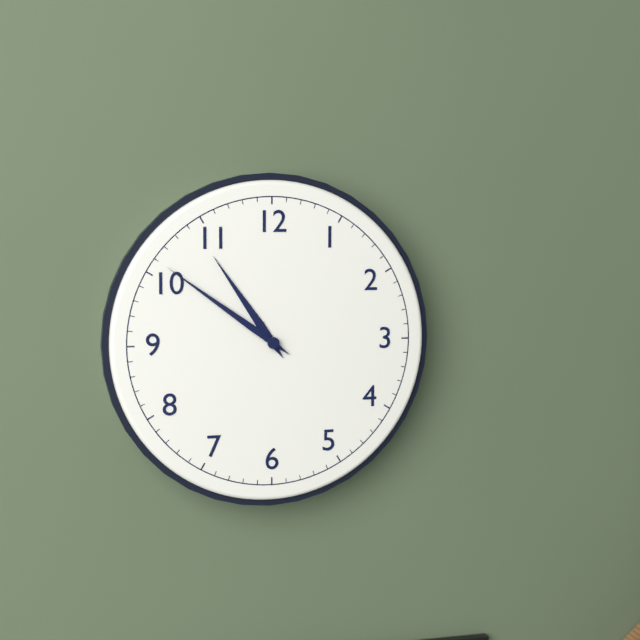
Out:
10,51
